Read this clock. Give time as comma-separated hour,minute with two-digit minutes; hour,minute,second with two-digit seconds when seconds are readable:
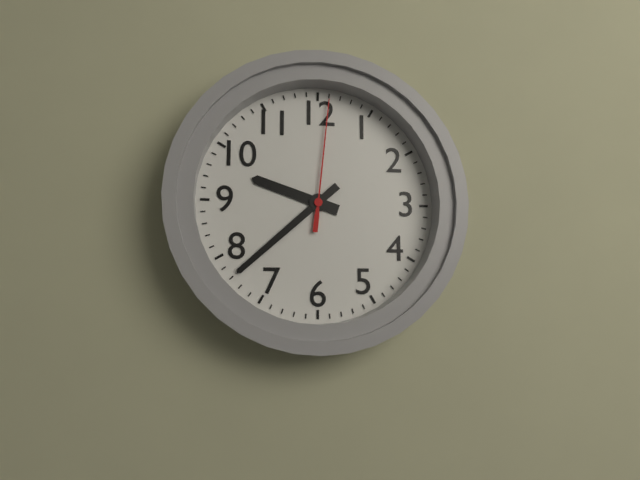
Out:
9,38,01
